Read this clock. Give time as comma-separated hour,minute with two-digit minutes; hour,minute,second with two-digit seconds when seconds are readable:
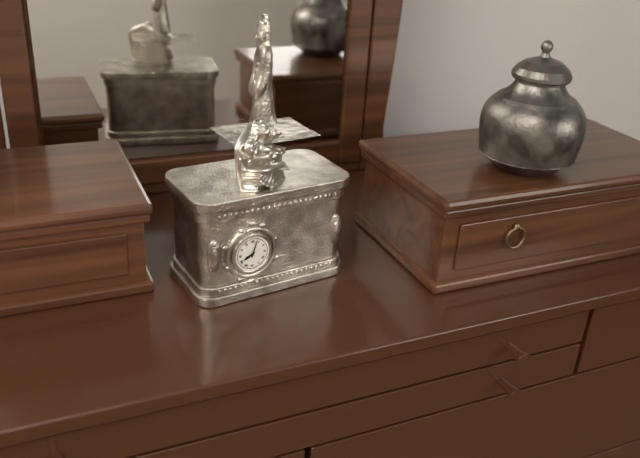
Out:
8,03
